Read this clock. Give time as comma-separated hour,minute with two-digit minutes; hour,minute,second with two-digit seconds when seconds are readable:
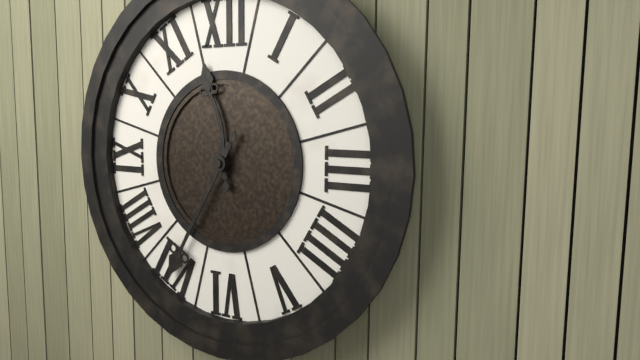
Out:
11,35
